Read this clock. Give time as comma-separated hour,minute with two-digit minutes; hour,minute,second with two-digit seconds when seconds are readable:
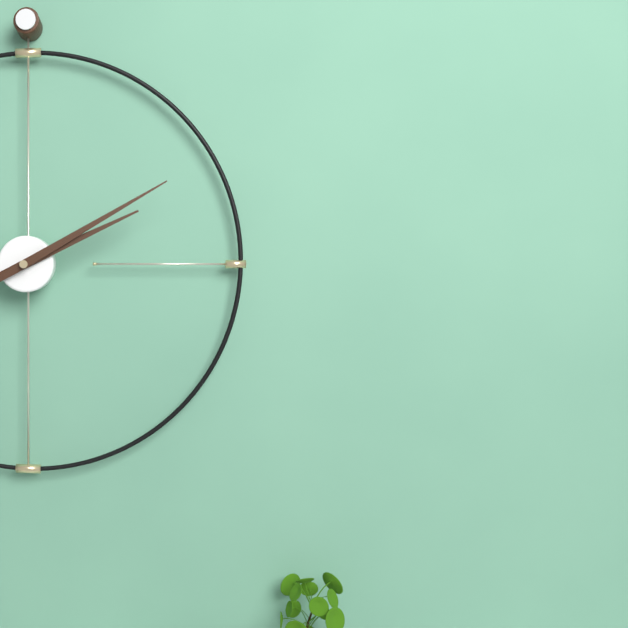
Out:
2,10
